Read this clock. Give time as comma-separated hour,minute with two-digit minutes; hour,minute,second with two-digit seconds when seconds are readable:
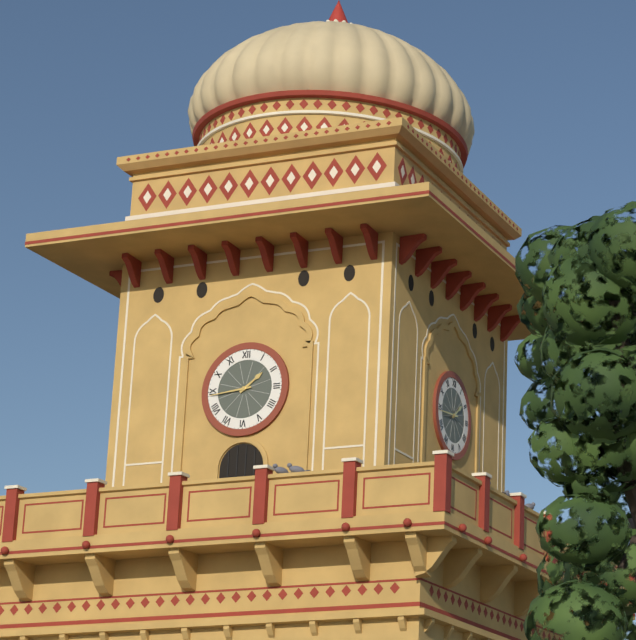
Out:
1,44
